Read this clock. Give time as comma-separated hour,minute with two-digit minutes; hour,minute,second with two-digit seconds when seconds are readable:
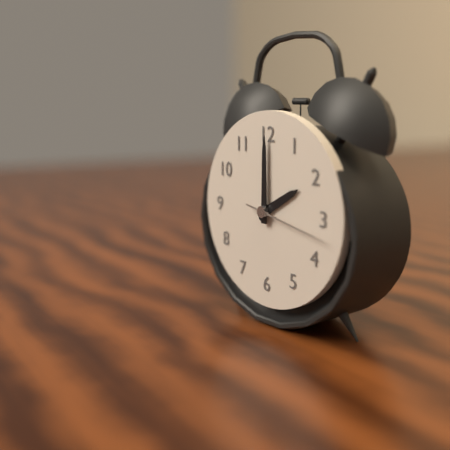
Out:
2,00,17
